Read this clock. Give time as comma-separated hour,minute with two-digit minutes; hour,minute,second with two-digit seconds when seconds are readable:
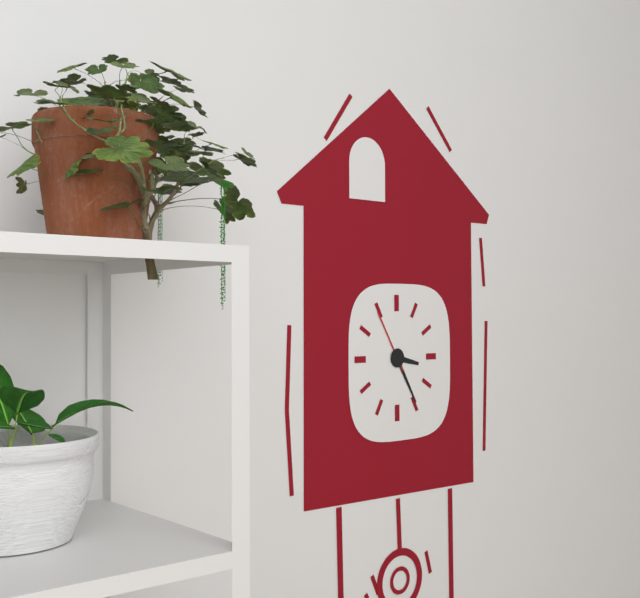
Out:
3,25,55
